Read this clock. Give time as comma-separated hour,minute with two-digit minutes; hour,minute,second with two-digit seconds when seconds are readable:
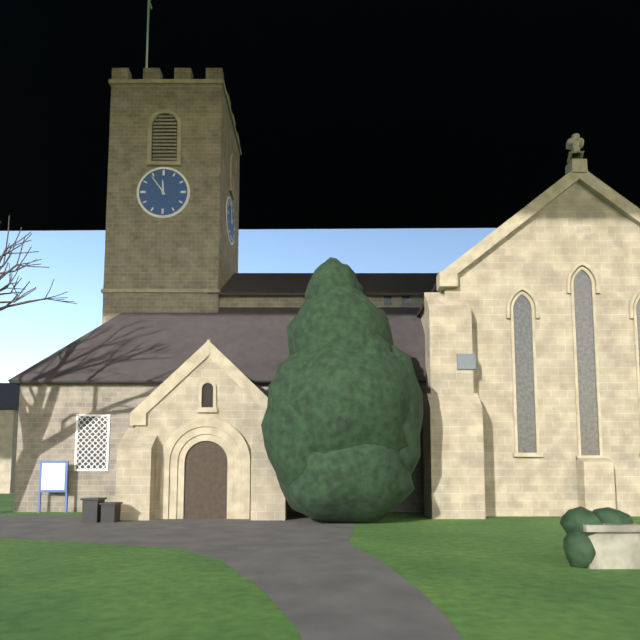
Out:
11,54
